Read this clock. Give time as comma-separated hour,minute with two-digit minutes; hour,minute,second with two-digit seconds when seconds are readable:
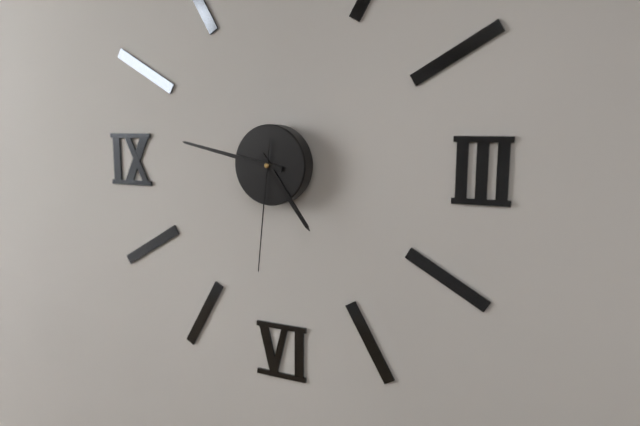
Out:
4,47,31
